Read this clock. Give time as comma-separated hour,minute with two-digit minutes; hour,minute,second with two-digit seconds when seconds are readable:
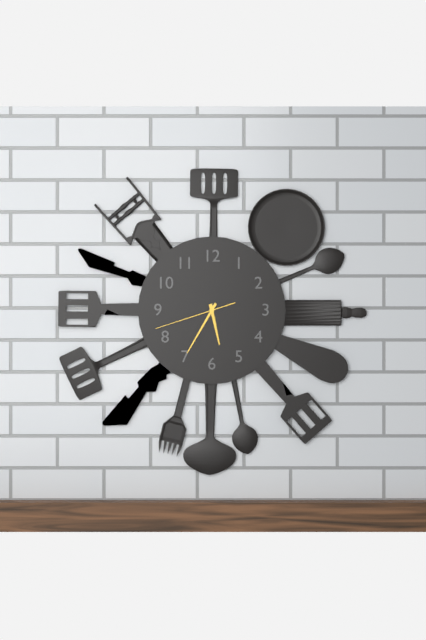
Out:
5,35,42
